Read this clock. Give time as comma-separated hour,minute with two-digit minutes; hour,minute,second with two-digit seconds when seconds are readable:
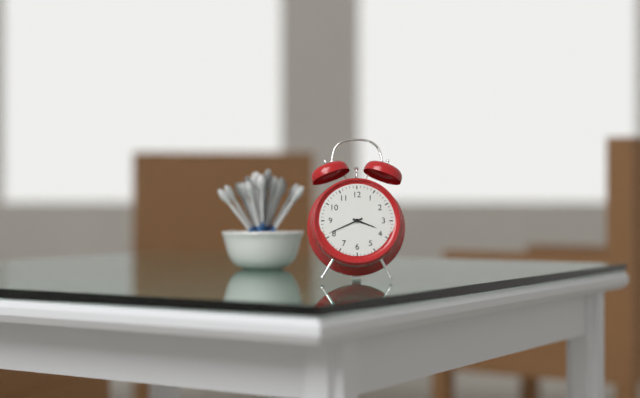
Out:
3,41
